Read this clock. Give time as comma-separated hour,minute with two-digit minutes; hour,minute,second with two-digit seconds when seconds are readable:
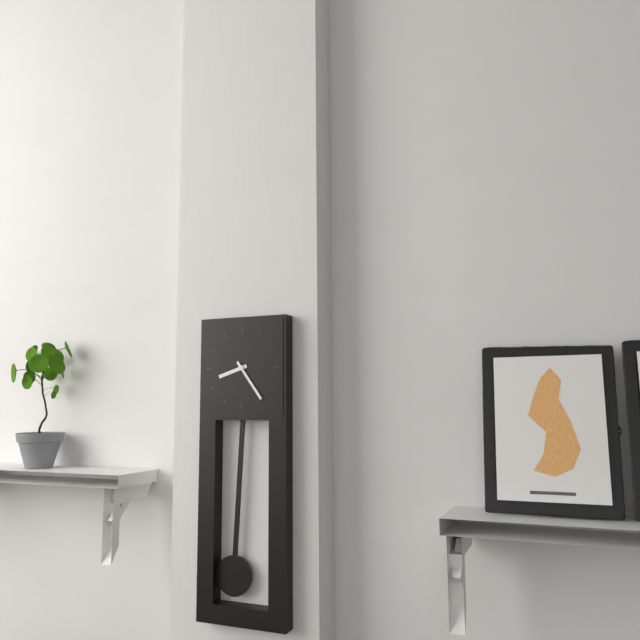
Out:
8,24
